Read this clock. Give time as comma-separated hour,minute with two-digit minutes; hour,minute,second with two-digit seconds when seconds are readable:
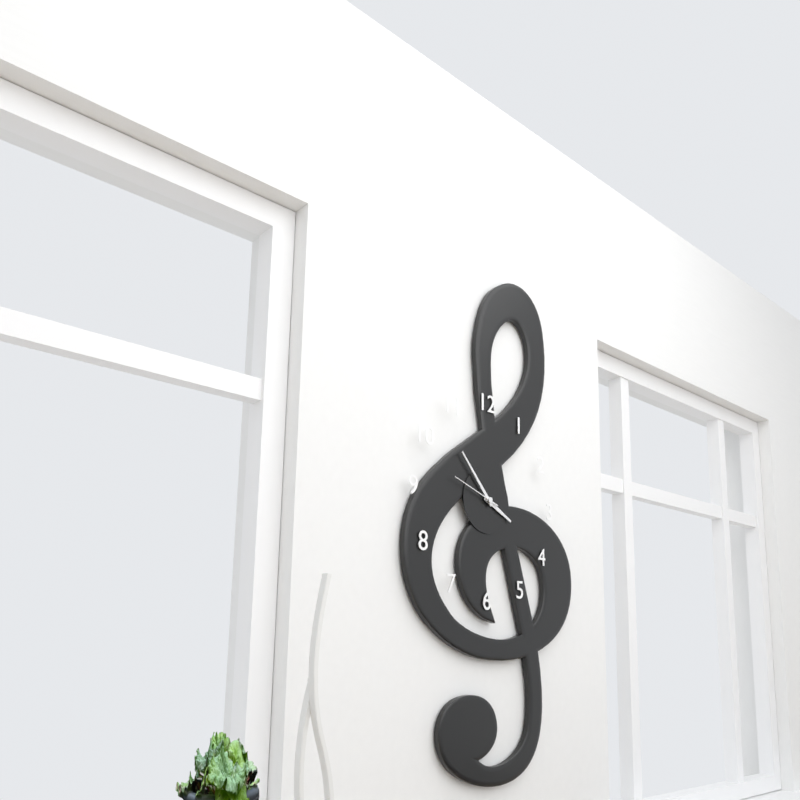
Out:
3,53,48
